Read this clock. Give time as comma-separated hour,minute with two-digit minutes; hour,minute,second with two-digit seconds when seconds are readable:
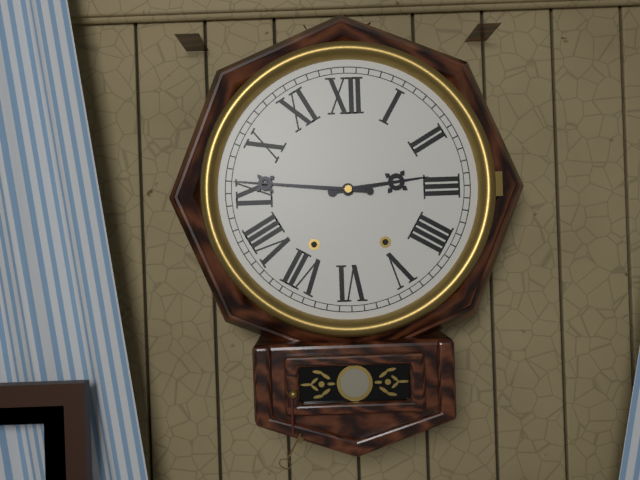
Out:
2,46
